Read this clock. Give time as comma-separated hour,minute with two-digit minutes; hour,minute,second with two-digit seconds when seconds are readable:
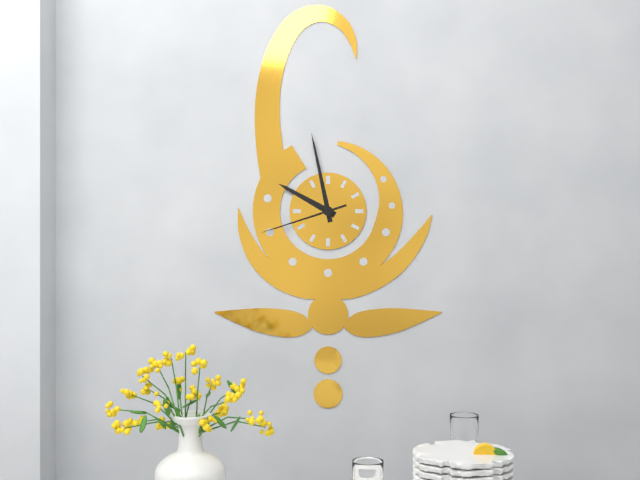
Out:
9,58,42
